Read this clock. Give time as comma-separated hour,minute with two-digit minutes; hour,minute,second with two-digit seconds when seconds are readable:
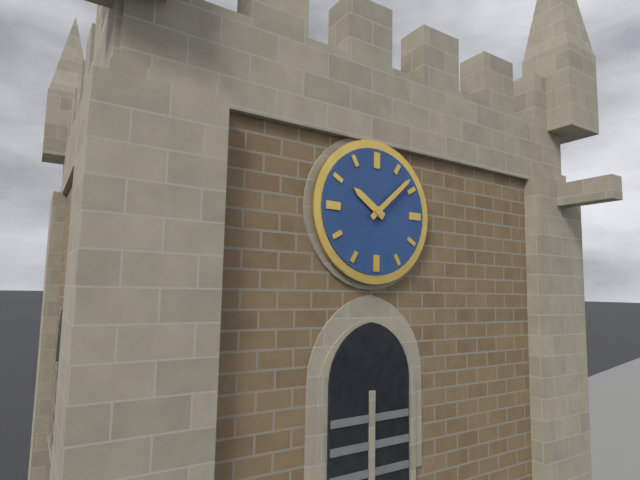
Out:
10,08
